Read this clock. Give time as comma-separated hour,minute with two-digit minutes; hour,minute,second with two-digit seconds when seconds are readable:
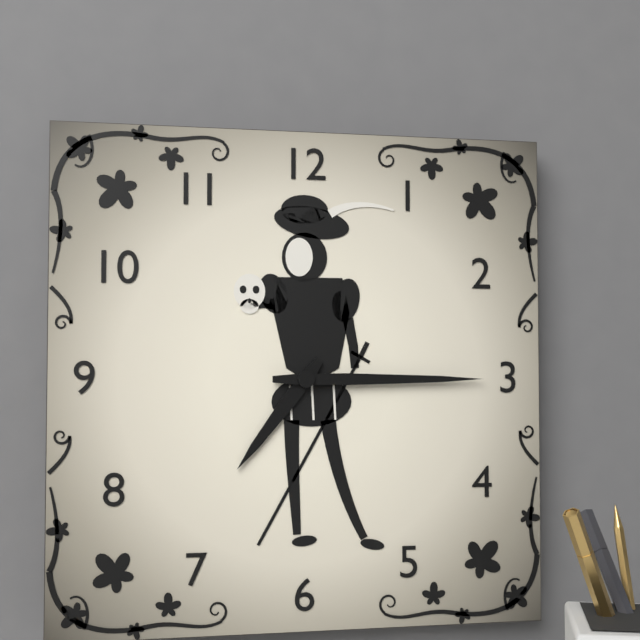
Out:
7,15
